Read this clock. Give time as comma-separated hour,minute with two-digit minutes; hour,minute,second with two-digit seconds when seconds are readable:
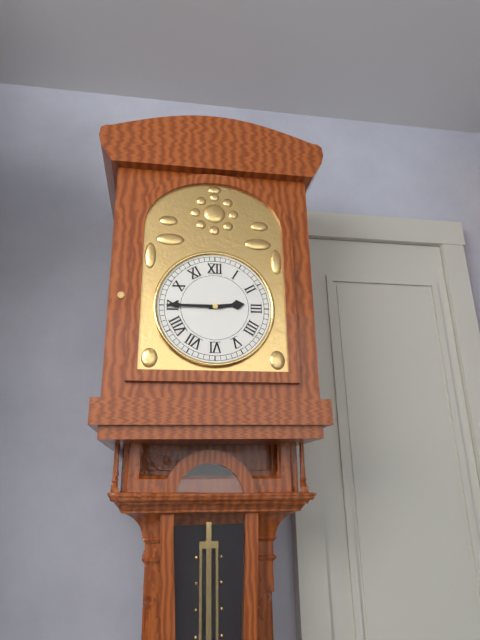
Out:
2,45
